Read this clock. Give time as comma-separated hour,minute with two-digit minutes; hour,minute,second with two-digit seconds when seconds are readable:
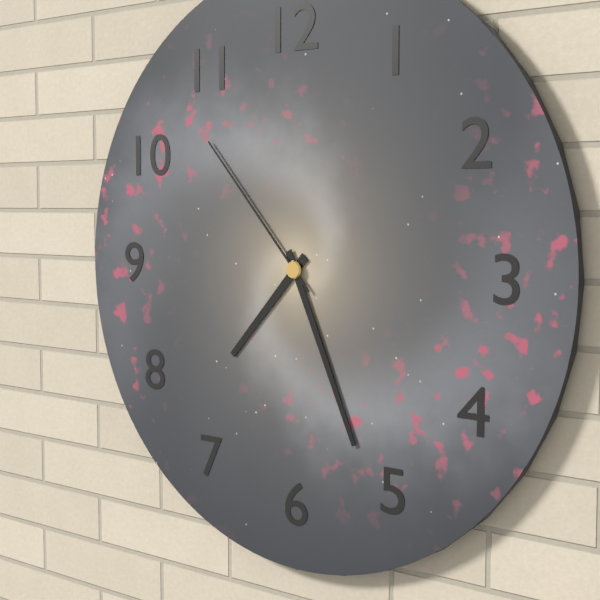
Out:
7,26,53
